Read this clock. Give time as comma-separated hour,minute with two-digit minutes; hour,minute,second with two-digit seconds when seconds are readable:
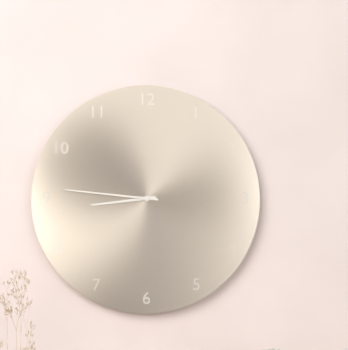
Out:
8,46
